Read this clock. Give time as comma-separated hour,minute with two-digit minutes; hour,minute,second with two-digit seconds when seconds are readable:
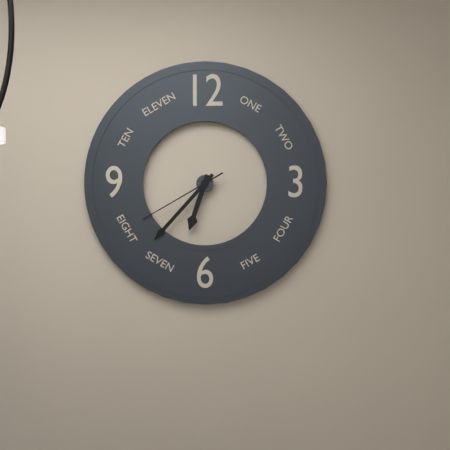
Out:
6,37,40
